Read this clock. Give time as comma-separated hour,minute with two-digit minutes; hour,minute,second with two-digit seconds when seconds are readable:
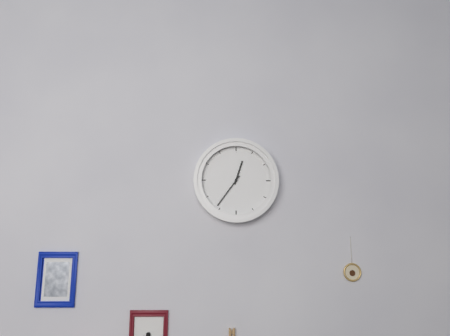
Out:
12,36
